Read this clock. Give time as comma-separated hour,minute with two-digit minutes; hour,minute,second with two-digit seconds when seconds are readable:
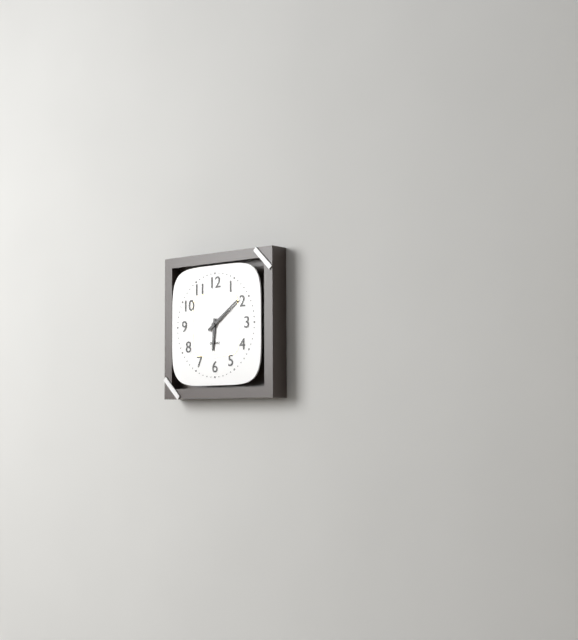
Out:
6,09
